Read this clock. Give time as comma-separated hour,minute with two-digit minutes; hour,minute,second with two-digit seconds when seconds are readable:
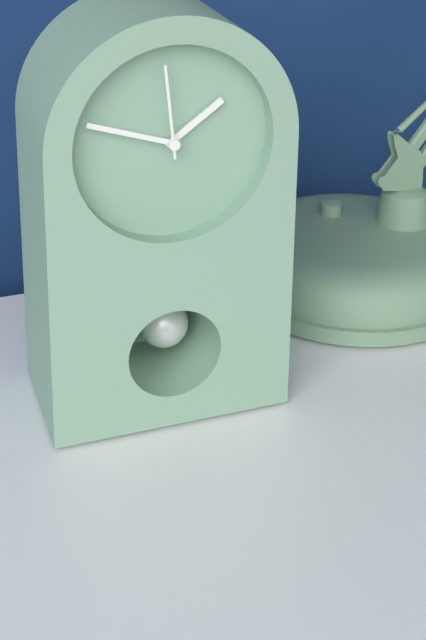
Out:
1,48,59
